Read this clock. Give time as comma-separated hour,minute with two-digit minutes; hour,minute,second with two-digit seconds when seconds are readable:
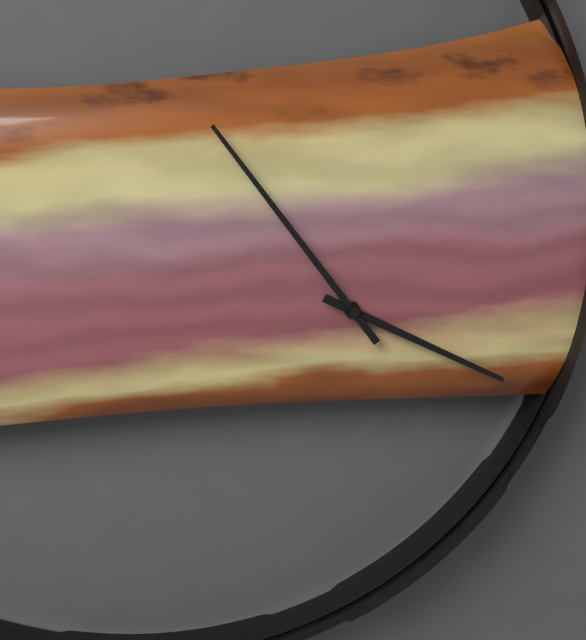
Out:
3,54
